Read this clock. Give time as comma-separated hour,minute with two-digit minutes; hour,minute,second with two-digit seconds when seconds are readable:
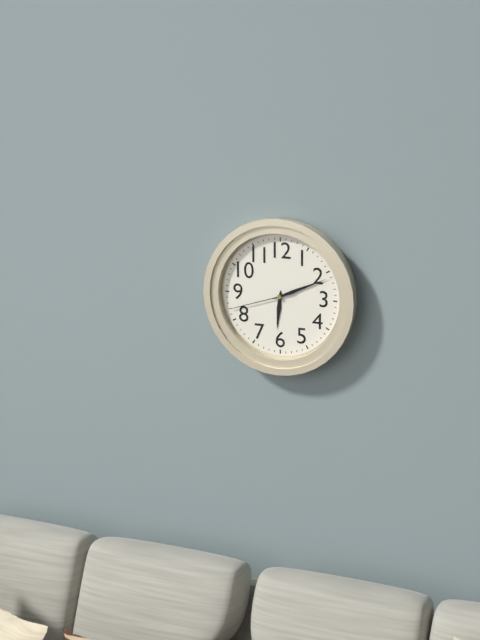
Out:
6,11,42
